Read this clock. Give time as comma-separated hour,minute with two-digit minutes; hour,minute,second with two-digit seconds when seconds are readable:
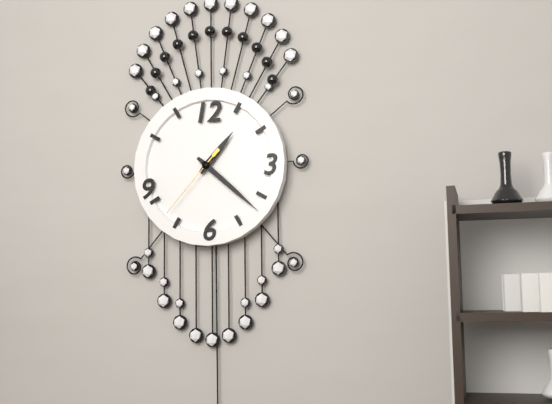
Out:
1,22,37
